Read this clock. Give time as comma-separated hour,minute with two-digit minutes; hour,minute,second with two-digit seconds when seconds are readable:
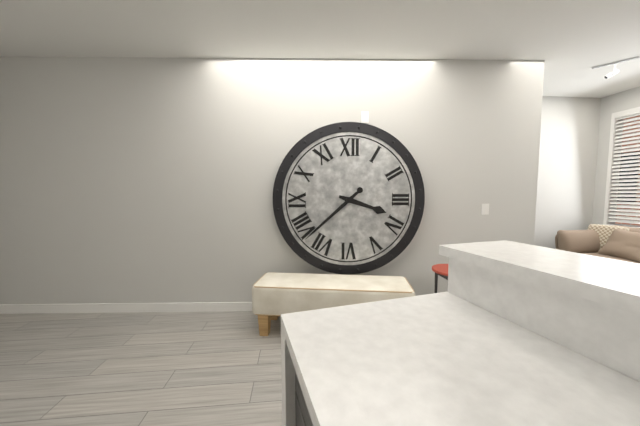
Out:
3,38
